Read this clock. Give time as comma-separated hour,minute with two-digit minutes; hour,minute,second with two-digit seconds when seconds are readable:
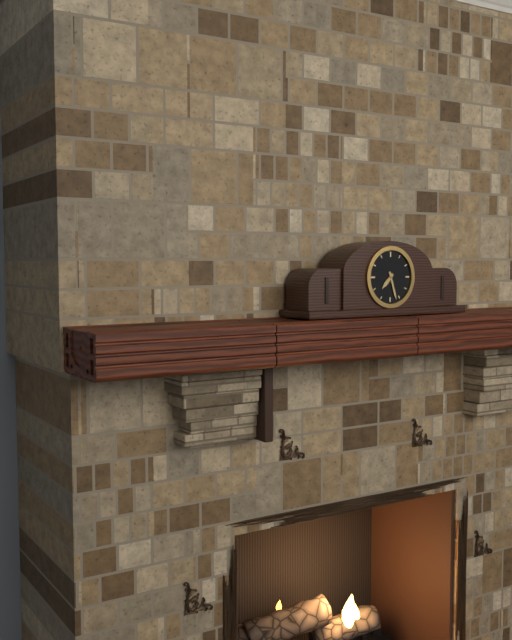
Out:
7,27
